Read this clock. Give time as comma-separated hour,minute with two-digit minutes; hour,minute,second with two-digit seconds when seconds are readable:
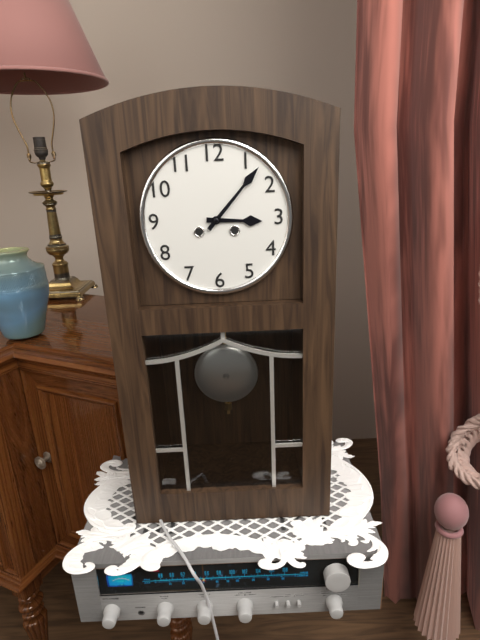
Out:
3,07
